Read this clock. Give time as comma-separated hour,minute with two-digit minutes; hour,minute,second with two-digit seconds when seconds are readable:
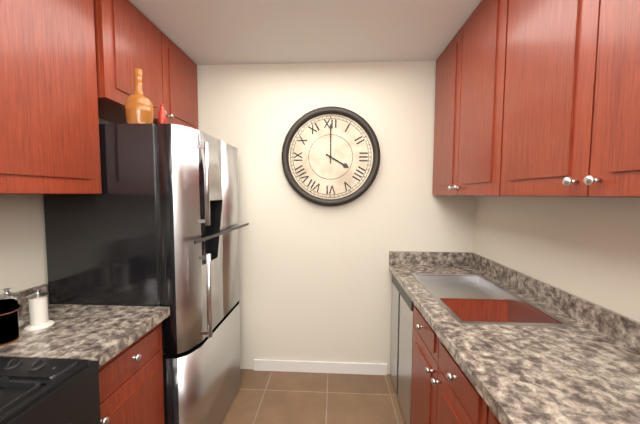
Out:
4,00
